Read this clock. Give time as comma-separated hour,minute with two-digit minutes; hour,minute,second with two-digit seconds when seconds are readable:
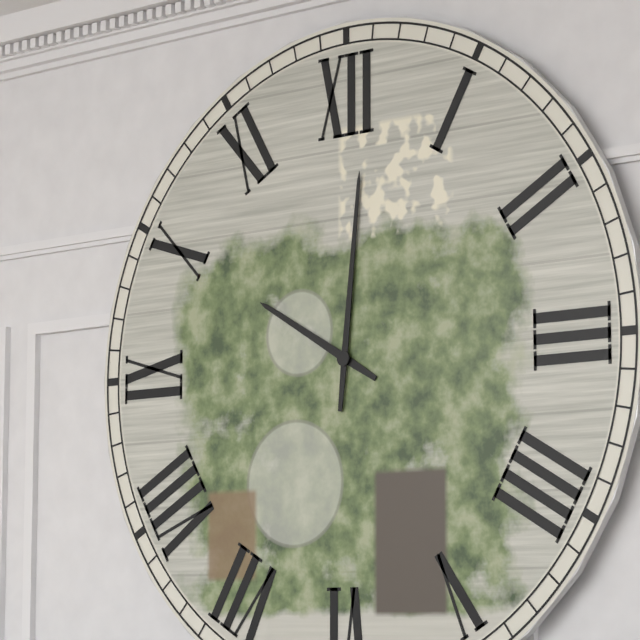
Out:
10,01
